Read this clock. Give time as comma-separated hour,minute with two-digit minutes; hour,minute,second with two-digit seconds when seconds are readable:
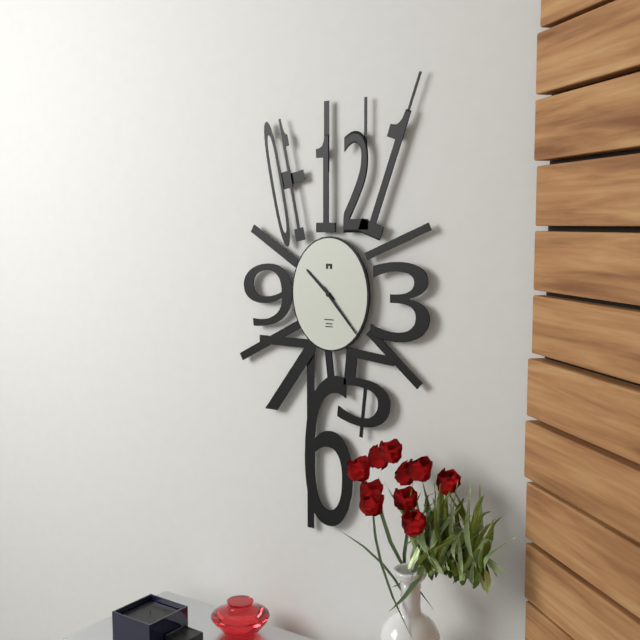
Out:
10,23
